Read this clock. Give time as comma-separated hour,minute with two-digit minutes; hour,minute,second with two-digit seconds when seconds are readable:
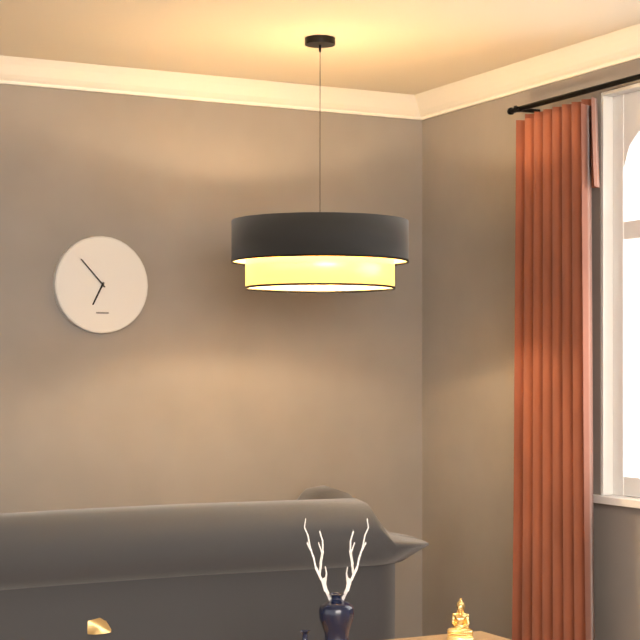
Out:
6,53
